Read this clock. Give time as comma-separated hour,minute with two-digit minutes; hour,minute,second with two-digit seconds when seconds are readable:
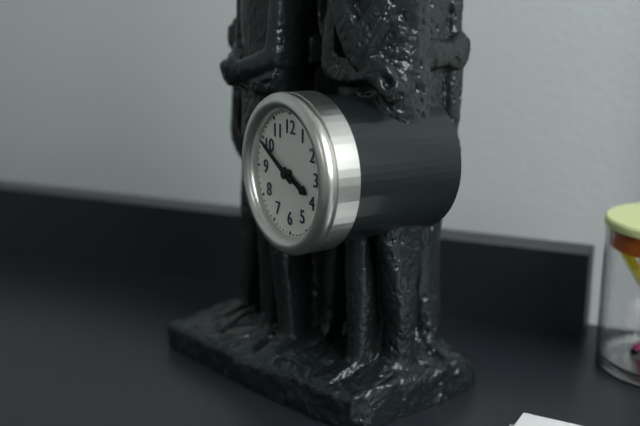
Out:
3,50
